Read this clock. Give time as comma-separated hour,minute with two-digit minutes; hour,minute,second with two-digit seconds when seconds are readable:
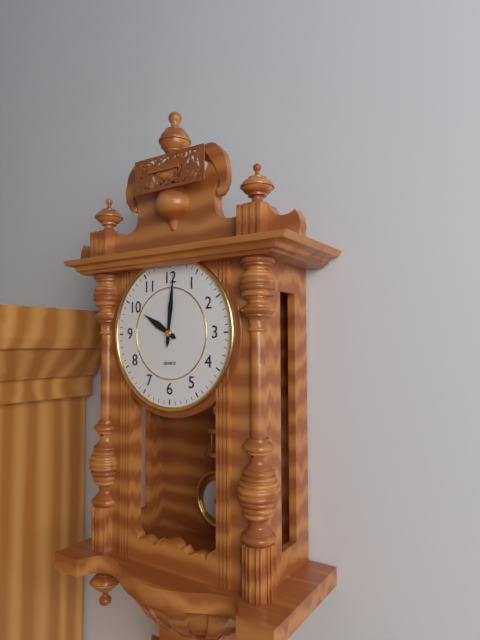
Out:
10,01
